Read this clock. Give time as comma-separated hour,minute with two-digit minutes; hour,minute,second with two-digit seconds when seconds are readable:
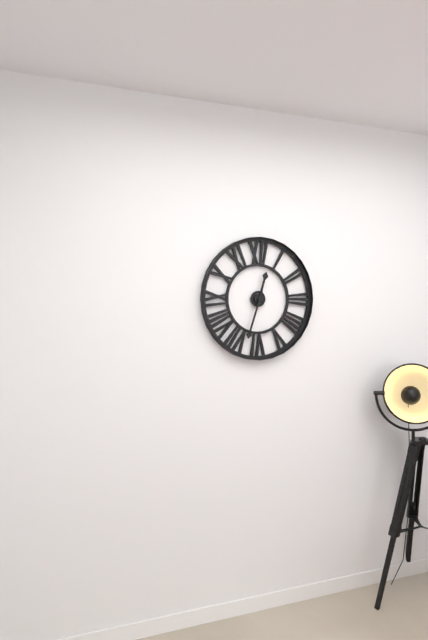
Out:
12,33
